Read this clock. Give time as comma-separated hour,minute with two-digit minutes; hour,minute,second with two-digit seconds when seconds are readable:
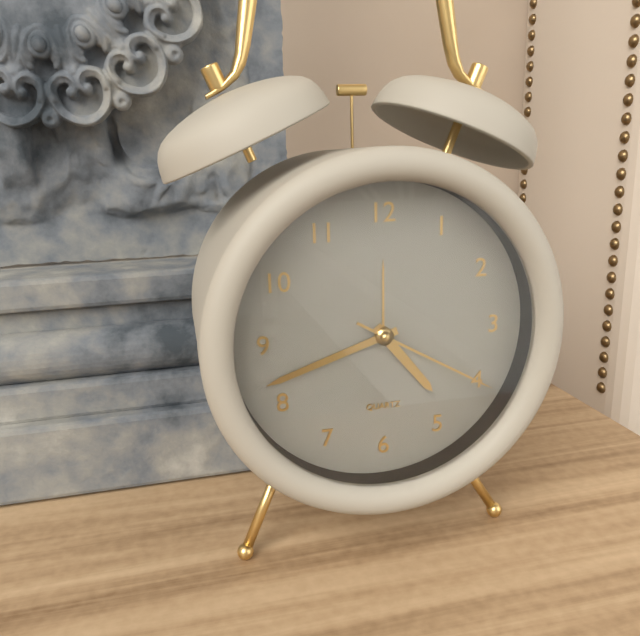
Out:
4,42,20
